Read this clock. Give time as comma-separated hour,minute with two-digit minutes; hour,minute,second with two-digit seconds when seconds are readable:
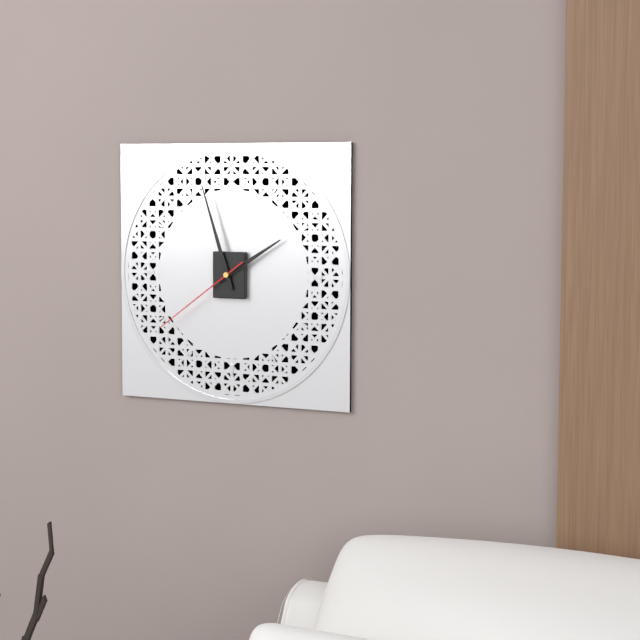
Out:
1,57,39
